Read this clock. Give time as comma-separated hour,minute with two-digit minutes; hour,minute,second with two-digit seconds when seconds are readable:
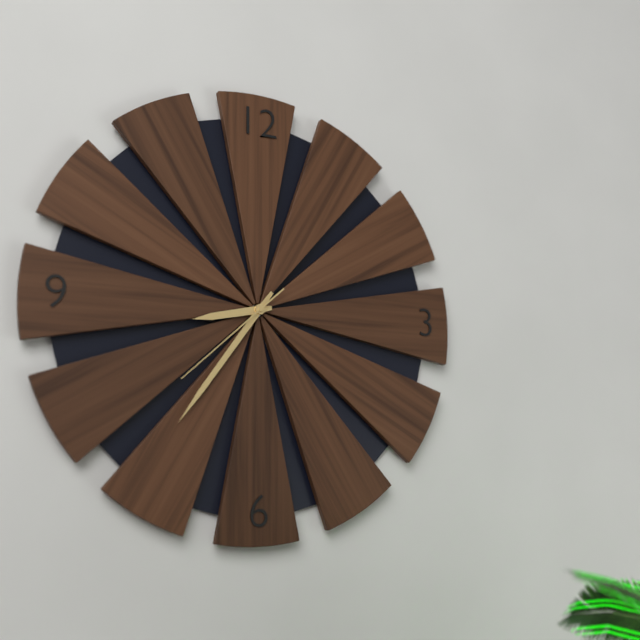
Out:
8,36,38
